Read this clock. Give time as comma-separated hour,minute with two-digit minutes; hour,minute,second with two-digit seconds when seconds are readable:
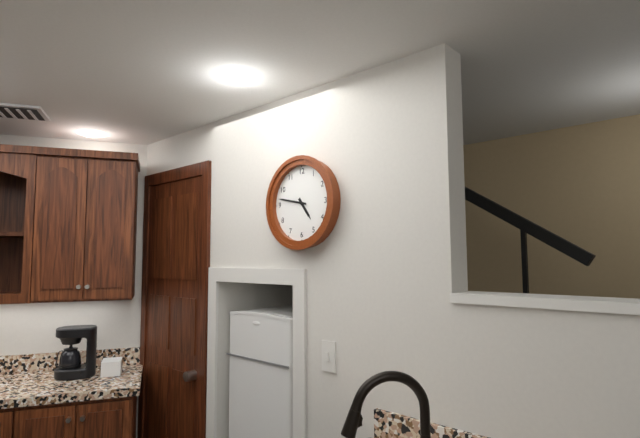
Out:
4,47
